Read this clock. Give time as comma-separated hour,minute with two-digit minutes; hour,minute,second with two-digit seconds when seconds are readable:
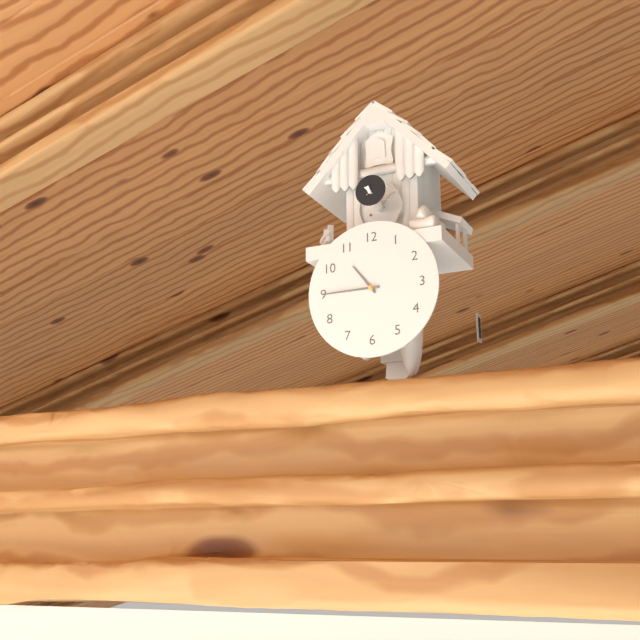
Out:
10,45
